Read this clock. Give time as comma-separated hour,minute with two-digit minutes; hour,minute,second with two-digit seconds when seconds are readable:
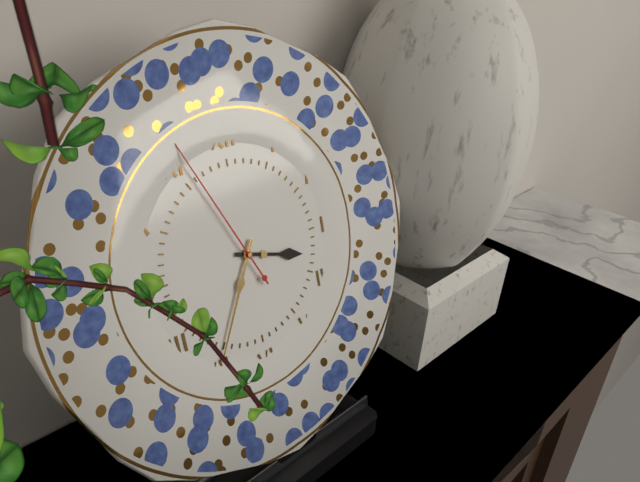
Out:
3,35,56
